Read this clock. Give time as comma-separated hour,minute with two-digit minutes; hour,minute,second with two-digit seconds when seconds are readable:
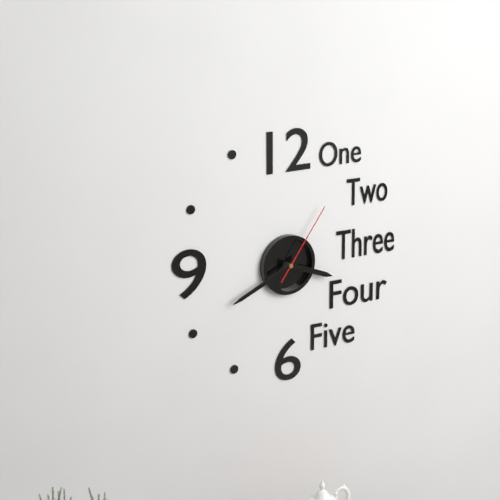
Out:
3,41,06
